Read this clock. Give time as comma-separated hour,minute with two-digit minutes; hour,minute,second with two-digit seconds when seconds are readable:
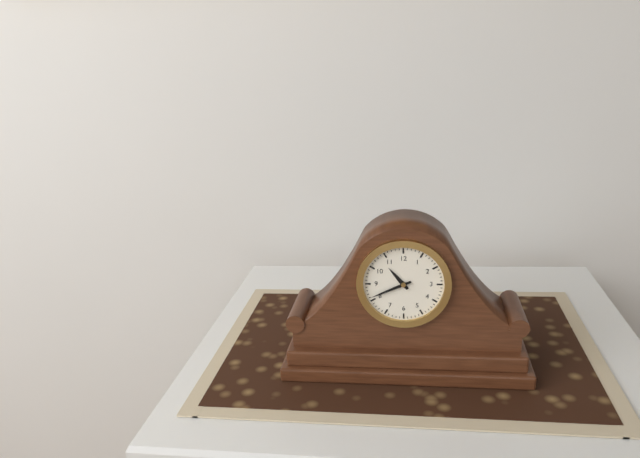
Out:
10,41
